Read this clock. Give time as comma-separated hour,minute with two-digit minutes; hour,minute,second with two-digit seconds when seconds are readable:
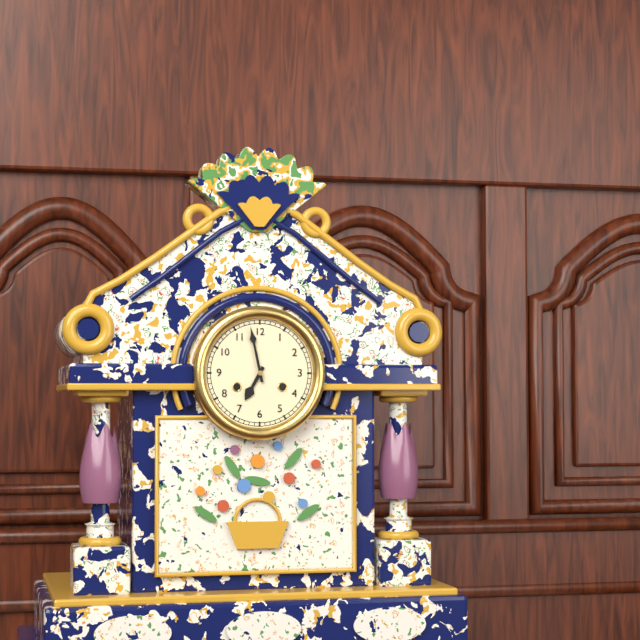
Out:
6,58
